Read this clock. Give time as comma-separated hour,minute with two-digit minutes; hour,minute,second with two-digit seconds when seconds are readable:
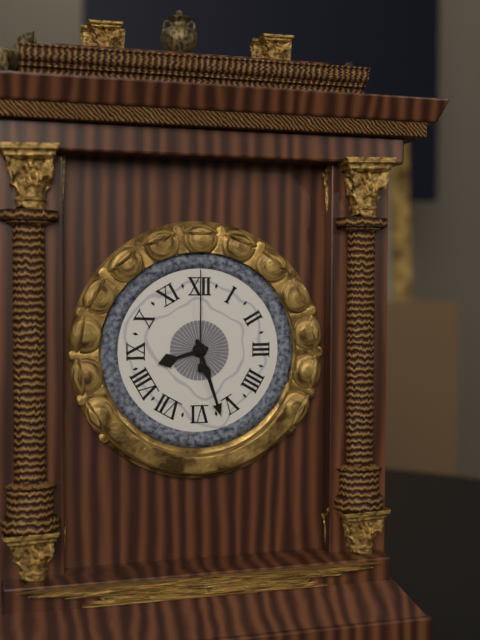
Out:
8,27,00
